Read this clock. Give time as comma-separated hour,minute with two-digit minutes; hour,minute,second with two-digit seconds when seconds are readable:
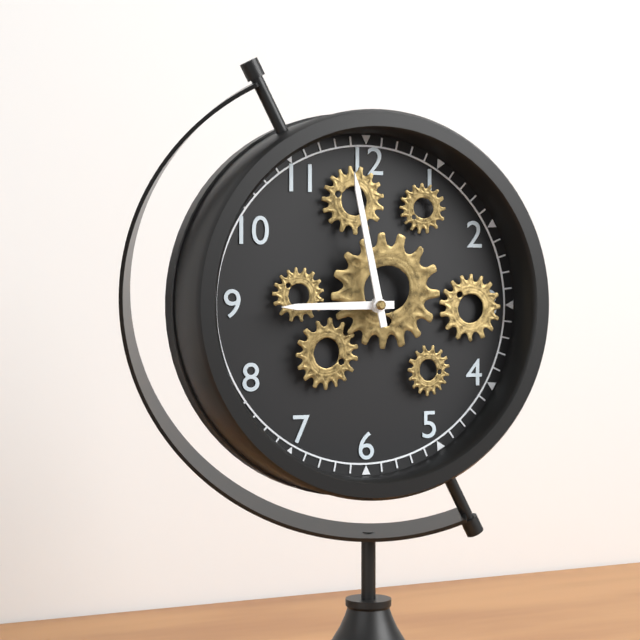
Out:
8,58
